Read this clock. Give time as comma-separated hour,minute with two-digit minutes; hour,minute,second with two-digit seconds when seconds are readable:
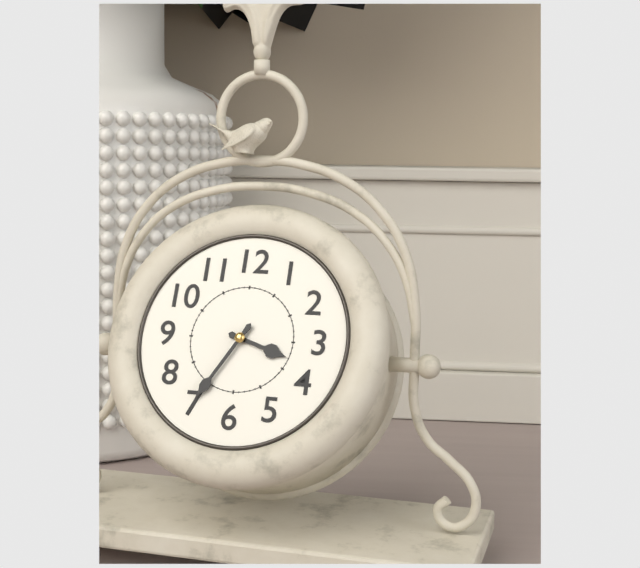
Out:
3,35
